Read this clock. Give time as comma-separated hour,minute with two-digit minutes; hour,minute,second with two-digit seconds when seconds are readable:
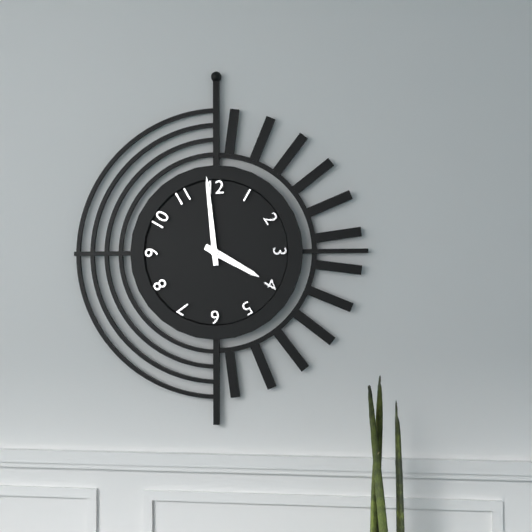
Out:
3,59
